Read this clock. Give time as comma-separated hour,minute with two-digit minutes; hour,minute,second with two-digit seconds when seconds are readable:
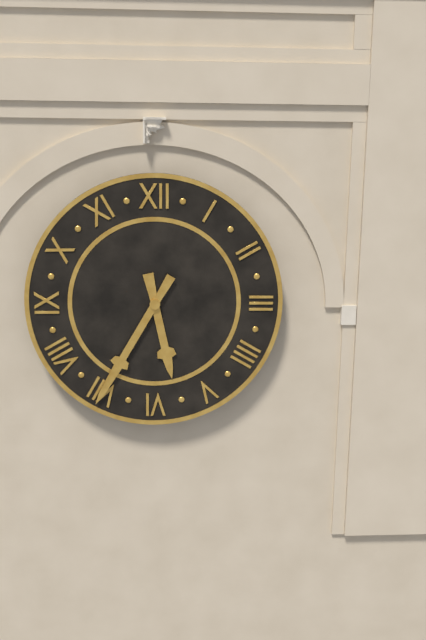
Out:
5,35
